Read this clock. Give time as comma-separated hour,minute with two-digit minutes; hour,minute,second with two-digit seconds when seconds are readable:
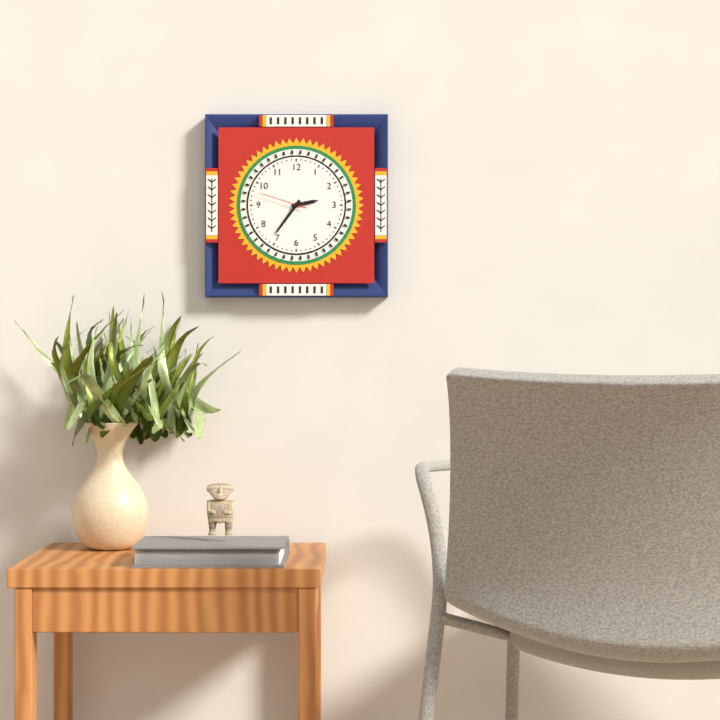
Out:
2,36
